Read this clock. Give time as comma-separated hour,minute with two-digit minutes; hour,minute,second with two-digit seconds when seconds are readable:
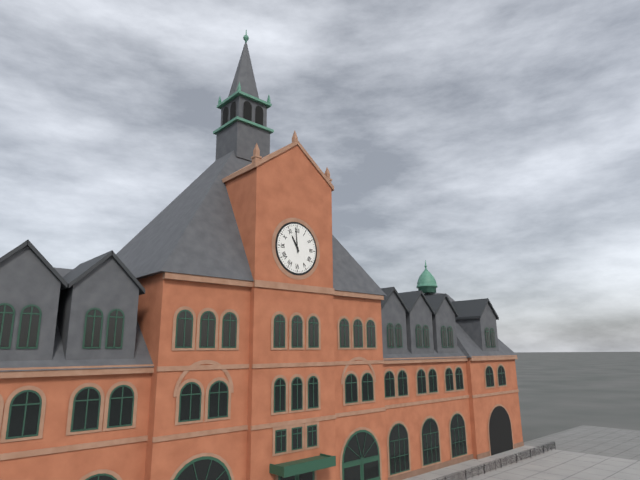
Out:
10,59
